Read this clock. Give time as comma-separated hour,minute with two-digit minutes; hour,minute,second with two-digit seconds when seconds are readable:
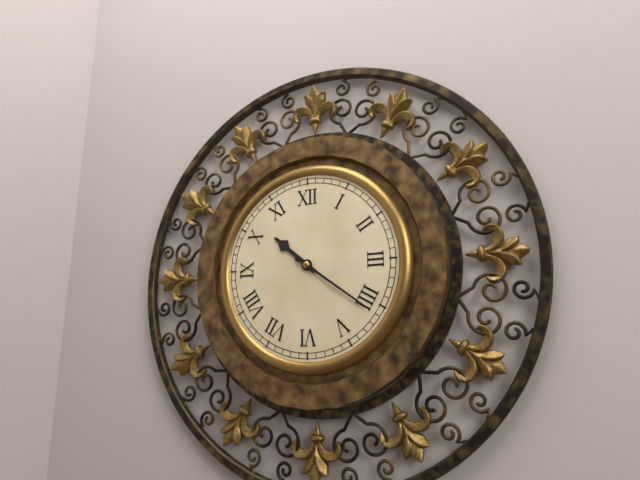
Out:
10,21
